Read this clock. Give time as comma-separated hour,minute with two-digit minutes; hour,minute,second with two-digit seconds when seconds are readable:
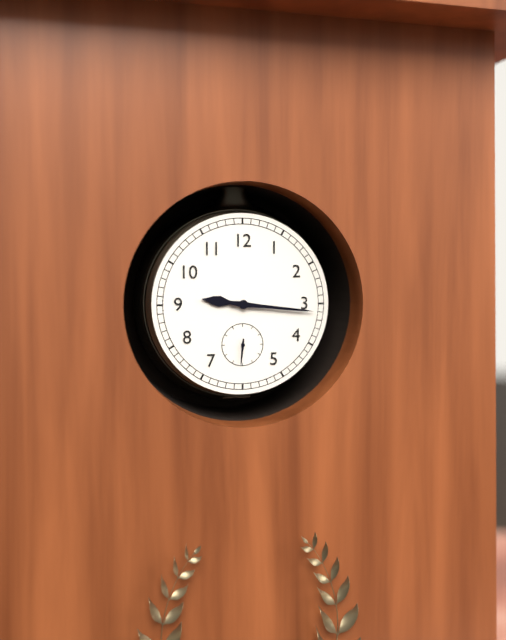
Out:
9,16
